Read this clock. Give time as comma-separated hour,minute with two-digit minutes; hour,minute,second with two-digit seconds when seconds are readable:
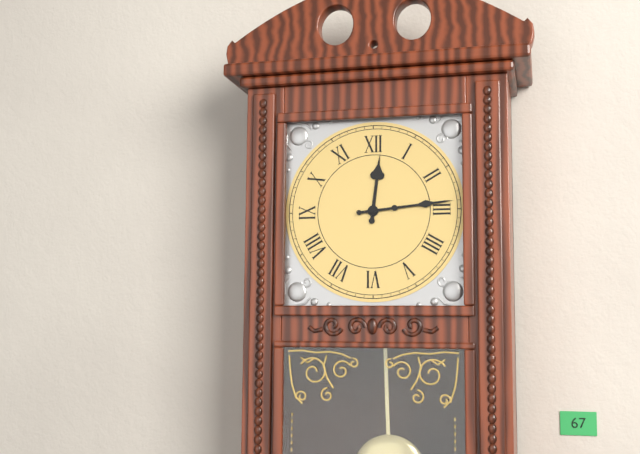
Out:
12,14
